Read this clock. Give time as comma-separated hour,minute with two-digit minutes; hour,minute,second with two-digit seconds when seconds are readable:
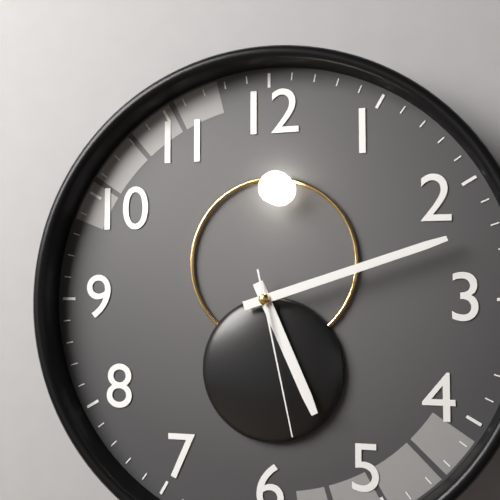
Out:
5,12,28
